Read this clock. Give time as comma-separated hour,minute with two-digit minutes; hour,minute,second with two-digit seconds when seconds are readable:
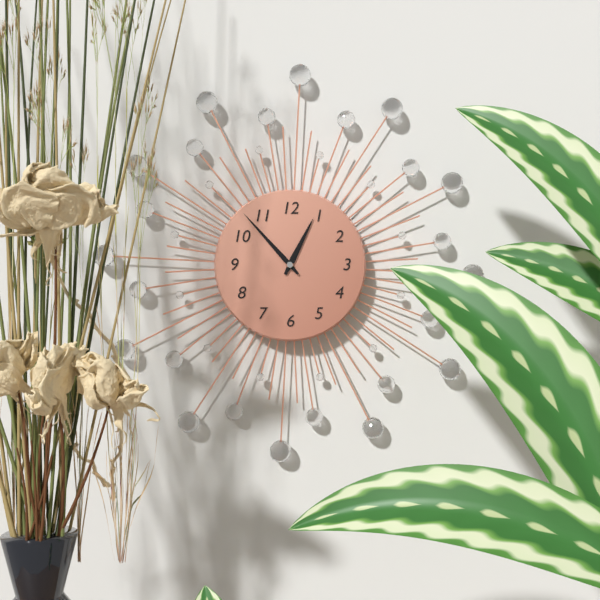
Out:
12,53
